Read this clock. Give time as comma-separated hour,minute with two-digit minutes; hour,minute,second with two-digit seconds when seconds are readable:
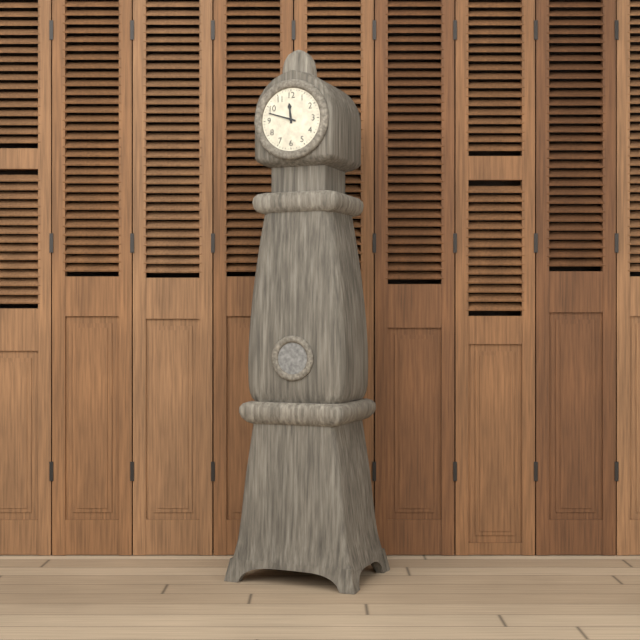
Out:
11,48
